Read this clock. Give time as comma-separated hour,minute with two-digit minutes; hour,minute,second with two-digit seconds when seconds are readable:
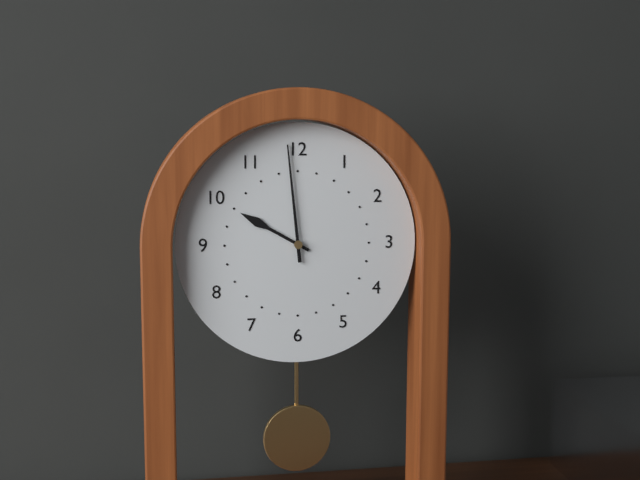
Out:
9,59
